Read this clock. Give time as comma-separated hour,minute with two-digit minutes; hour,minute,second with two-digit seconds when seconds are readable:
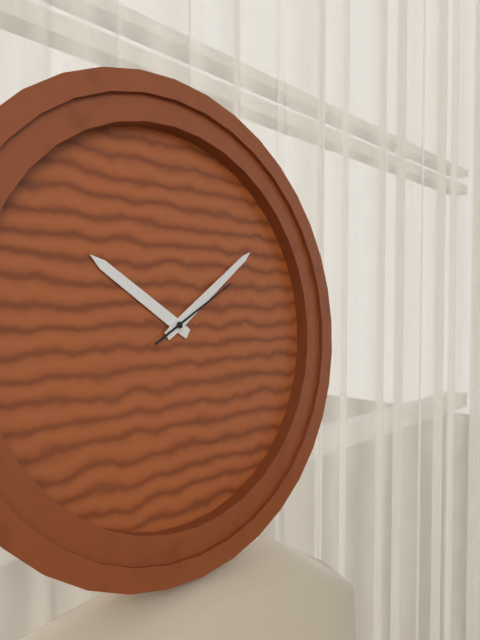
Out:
10,09,10
